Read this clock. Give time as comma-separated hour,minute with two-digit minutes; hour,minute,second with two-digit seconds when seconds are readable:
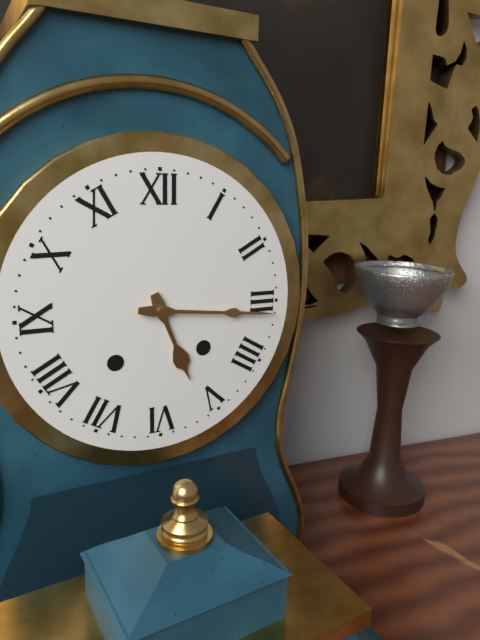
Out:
5,16
